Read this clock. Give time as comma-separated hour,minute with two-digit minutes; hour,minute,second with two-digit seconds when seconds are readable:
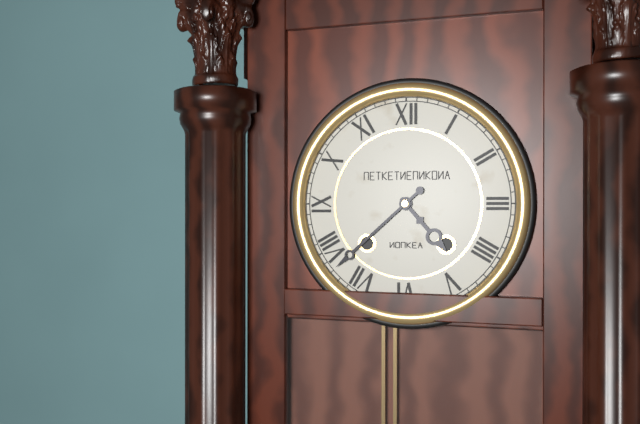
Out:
4,38
